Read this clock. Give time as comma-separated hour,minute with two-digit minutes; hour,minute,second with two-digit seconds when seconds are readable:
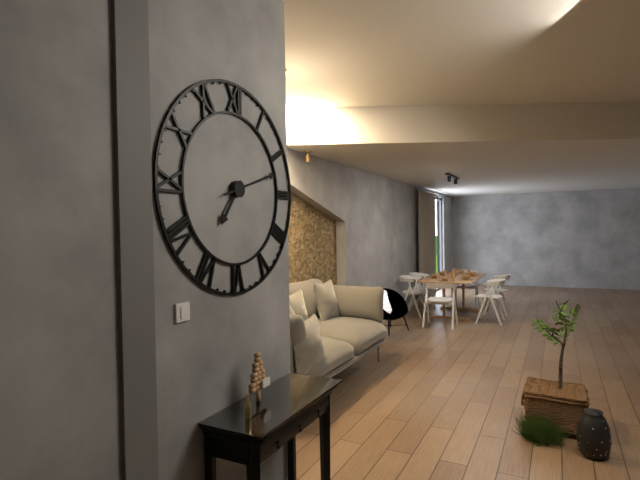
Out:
7,12
